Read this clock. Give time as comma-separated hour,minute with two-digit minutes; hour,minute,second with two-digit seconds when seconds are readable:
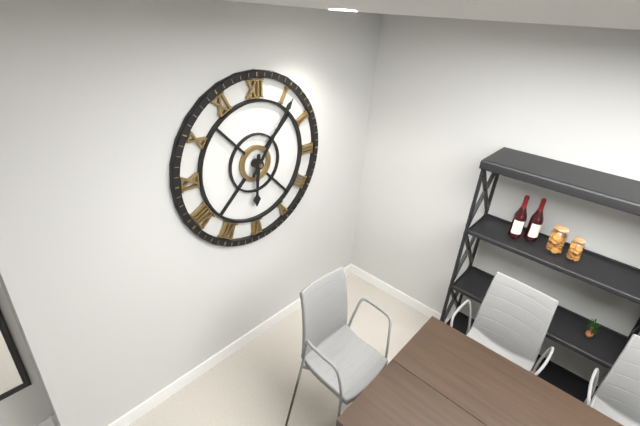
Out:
6,06
